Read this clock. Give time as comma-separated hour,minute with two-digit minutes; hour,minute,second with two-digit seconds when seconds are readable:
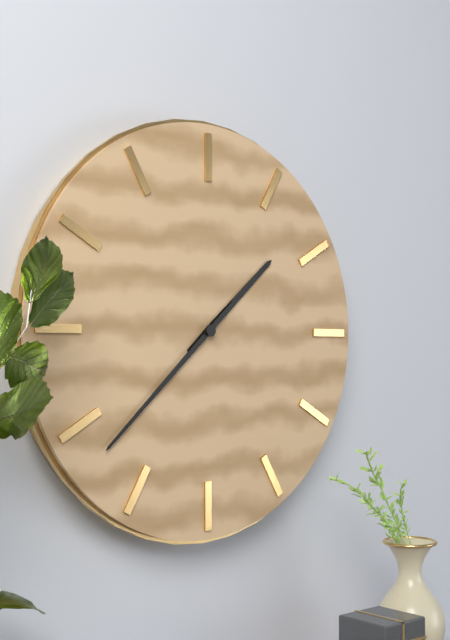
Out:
1,38
